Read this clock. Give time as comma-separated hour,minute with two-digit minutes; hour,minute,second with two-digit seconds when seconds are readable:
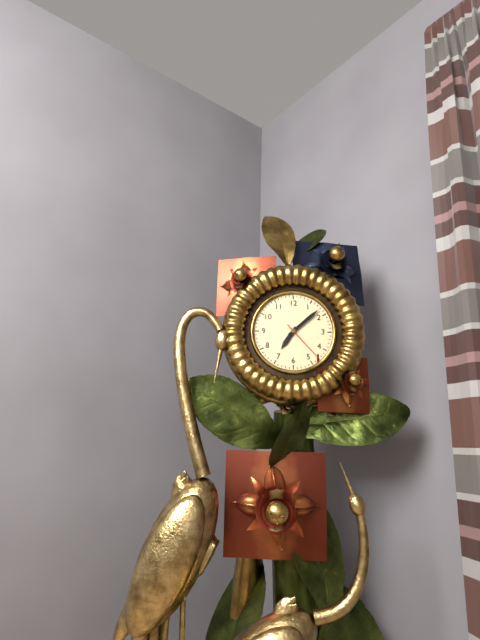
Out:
7,08
